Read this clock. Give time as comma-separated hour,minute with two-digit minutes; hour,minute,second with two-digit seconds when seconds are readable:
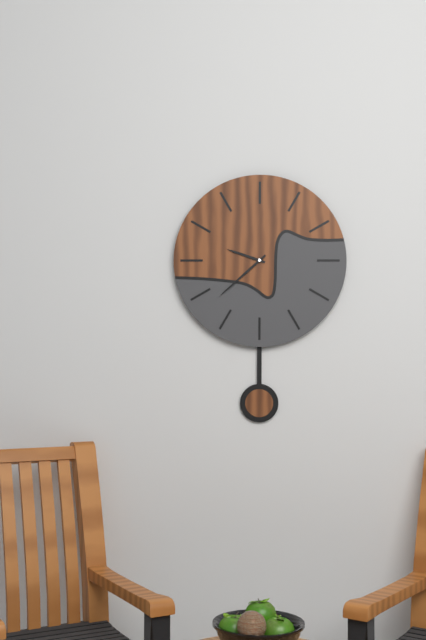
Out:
9,38
